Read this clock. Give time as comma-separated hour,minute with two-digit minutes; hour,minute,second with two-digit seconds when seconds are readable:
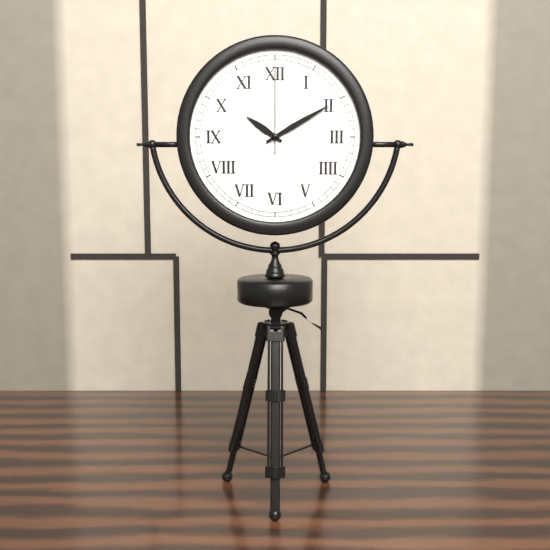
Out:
10,10,00
